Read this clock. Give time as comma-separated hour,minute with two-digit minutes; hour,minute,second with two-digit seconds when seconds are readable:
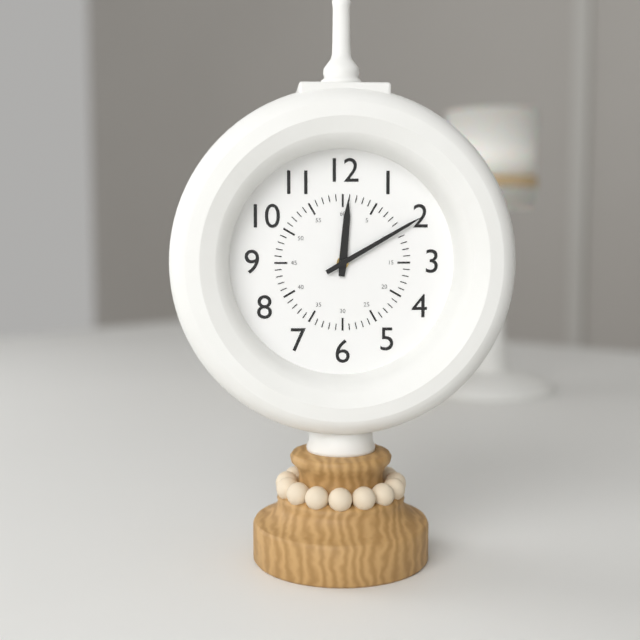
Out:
12,10
